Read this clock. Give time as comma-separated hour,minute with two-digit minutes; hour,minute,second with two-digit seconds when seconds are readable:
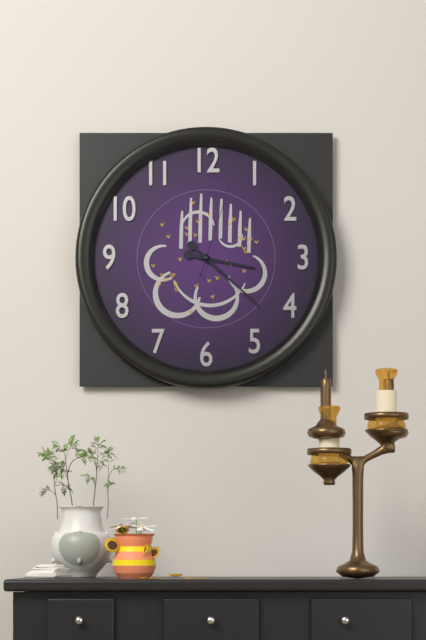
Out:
3,22,03
